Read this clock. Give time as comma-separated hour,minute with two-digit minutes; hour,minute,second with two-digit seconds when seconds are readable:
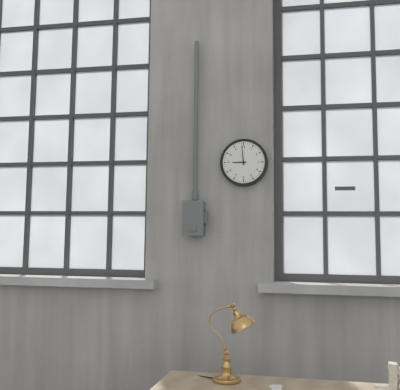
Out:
8,59
